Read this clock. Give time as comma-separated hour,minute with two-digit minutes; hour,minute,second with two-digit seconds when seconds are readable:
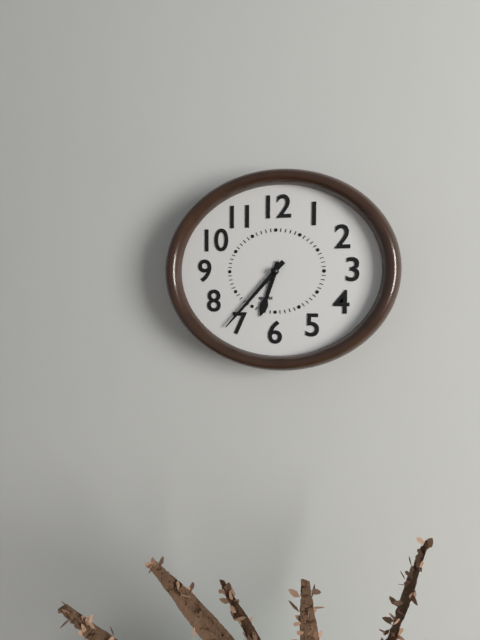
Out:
6,37
